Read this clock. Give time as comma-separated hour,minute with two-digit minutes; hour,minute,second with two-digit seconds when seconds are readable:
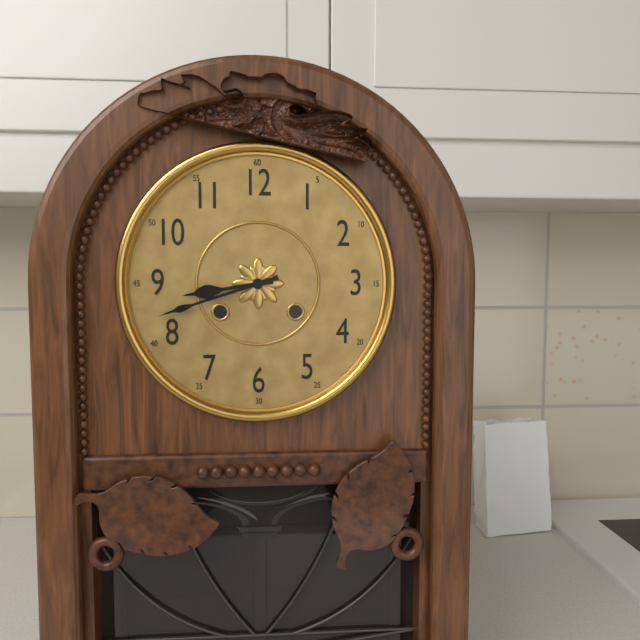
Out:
8,42
